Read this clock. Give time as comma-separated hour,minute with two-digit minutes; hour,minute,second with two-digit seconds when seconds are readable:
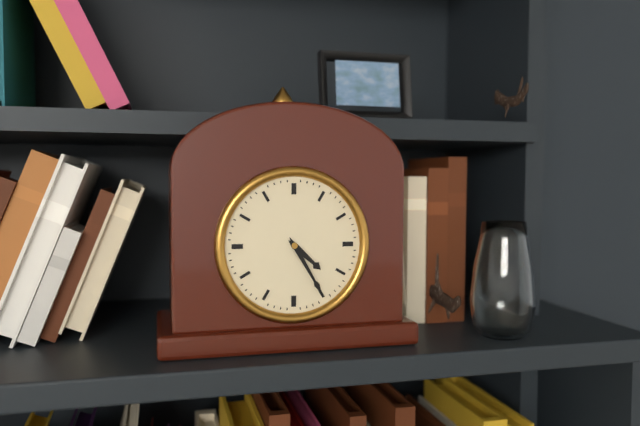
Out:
4,25
